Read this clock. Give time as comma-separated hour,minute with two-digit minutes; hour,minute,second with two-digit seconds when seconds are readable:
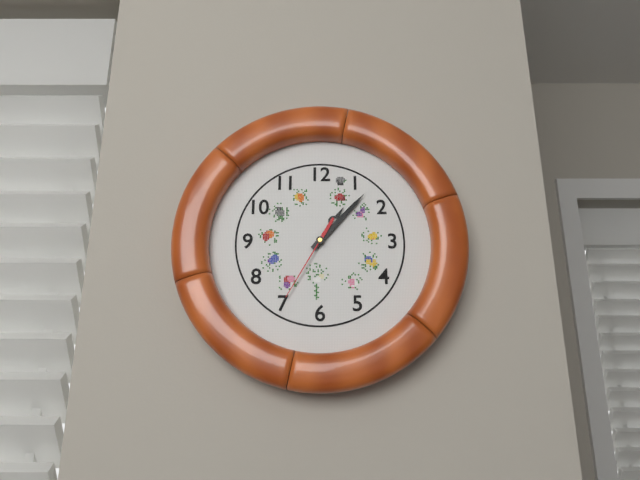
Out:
1,07,35
